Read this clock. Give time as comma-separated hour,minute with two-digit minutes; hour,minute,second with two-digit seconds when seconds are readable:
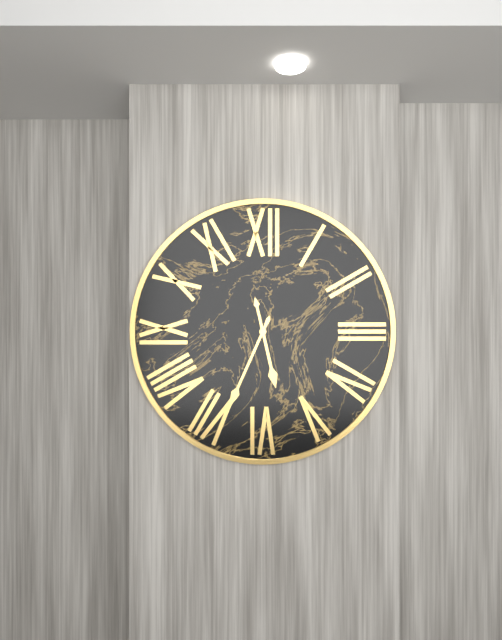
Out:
5,34
